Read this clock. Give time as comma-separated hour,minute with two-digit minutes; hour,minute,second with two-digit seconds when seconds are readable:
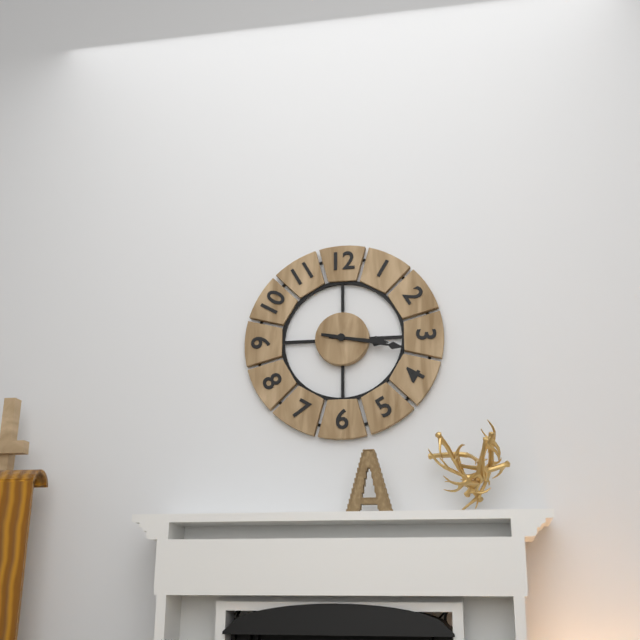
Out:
3,17
